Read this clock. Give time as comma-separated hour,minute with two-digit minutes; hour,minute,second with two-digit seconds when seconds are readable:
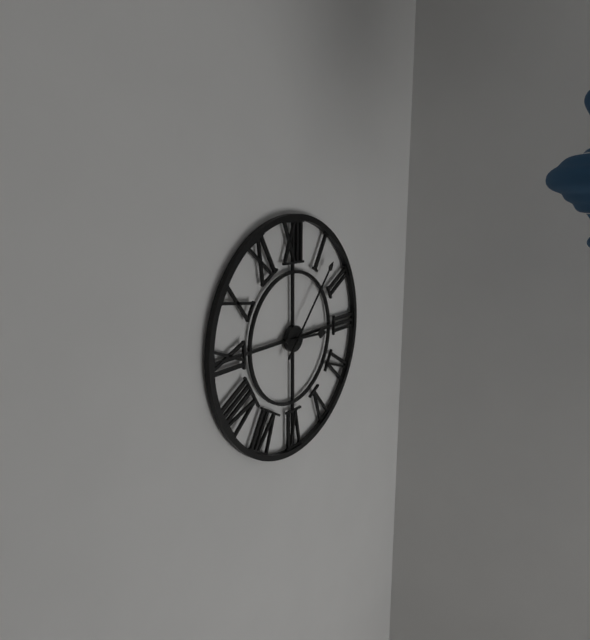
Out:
3,07
